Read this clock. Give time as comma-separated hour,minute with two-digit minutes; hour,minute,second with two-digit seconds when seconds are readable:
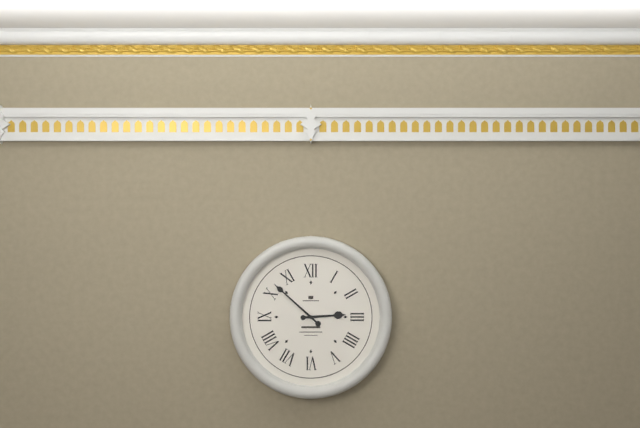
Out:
2,52
